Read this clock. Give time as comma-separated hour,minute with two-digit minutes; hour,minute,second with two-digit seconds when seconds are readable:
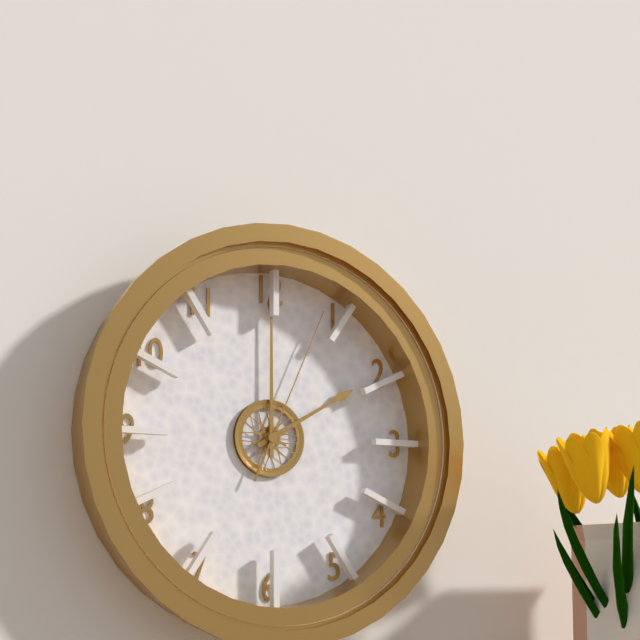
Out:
2,00,04
